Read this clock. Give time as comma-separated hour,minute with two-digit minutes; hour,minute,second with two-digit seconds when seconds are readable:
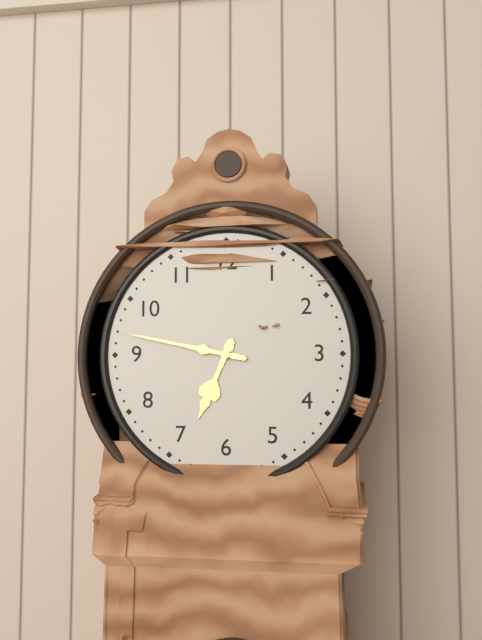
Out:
6,47
